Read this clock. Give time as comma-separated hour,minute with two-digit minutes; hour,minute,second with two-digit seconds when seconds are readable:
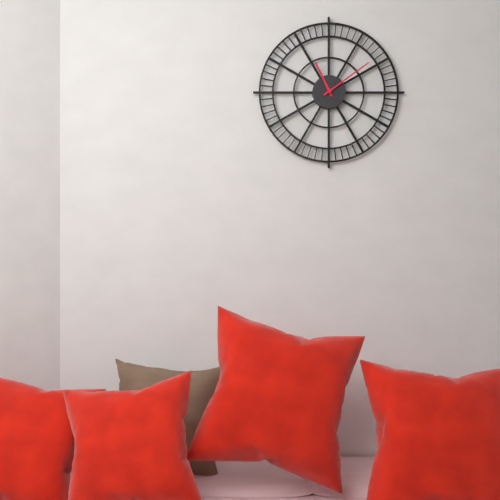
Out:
11,09
